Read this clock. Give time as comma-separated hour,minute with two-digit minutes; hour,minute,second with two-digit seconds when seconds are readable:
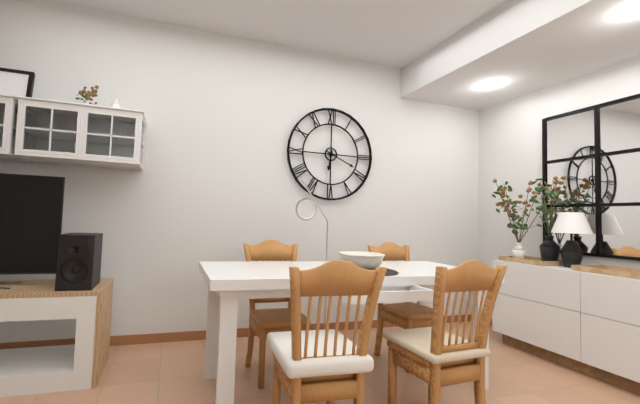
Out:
6,19
